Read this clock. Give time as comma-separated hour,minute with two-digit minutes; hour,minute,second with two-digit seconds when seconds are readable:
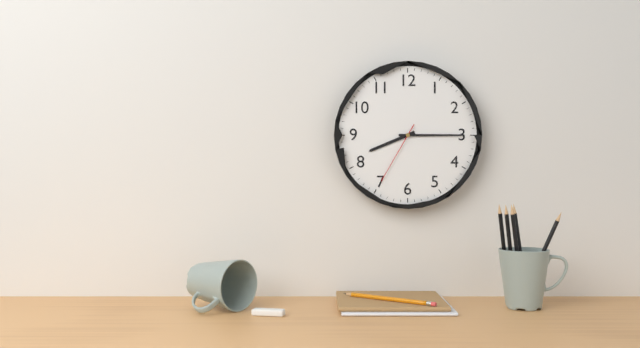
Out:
8,15,35
